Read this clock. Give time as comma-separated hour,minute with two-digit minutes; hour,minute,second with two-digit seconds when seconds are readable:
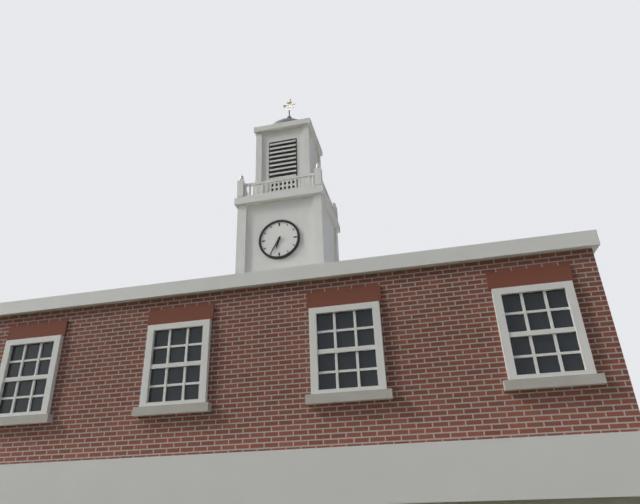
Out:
6,35
